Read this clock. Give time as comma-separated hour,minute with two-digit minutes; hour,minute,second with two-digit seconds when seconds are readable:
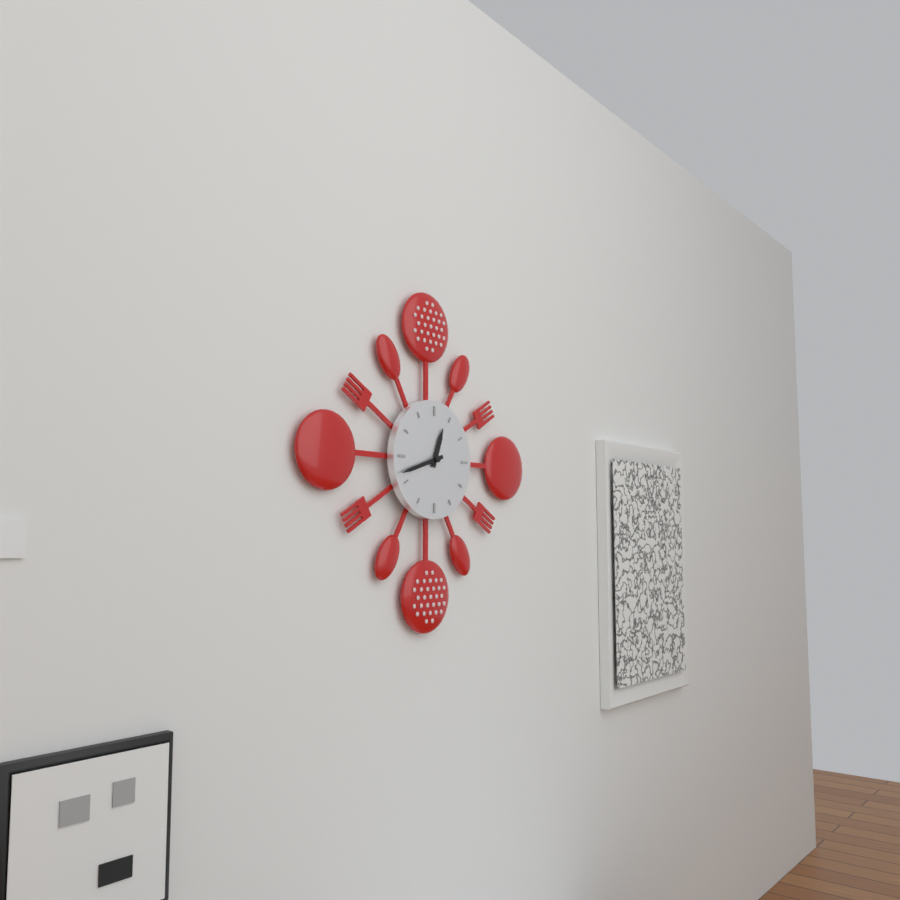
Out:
12,42
